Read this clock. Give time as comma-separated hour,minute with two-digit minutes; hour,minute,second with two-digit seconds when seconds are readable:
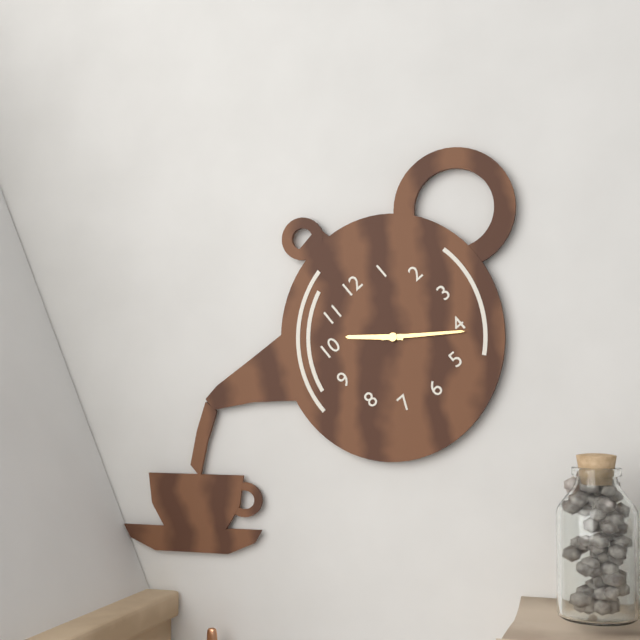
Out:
10,21
